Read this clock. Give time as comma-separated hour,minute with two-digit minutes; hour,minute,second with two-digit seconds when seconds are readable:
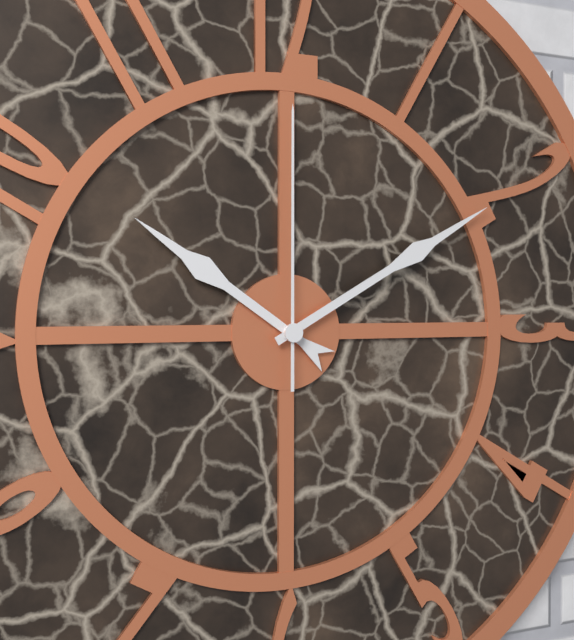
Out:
10,10,00
